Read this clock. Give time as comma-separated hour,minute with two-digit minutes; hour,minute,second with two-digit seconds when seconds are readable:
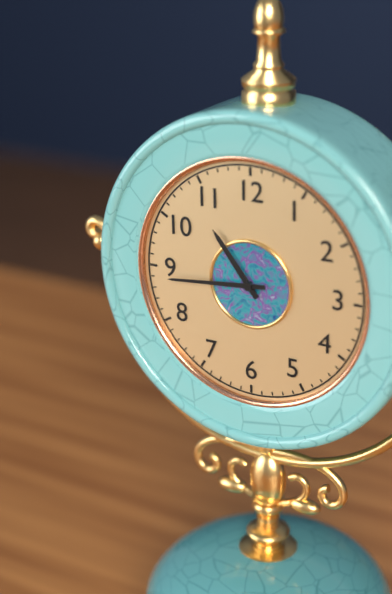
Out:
10,44
